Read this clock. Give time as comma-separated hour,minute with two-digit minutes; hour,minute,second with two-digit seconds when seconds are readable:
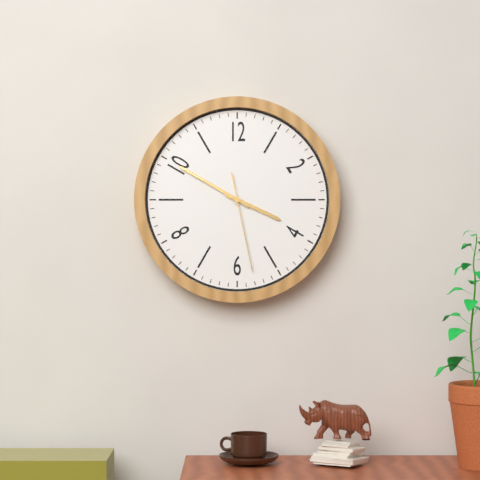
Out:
3,50,28
